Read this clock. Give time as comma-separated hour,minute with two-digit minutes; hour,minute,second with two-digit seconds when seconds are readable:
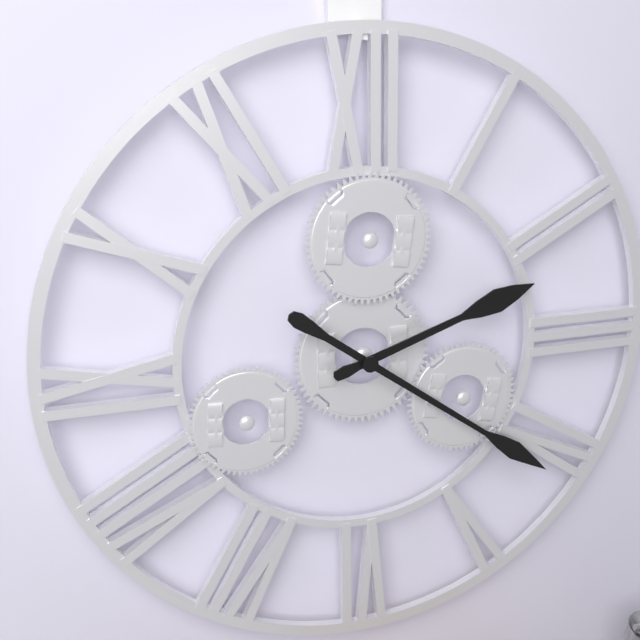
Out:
2,21
